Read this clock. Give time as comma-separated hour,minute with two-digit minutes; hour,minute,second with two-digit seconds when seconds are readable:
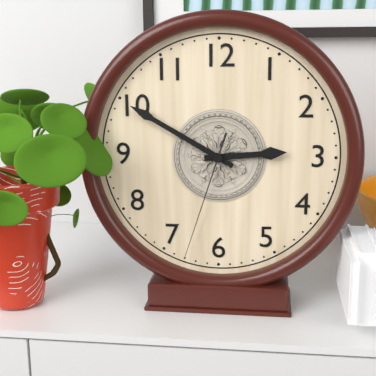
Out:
2,50,33
